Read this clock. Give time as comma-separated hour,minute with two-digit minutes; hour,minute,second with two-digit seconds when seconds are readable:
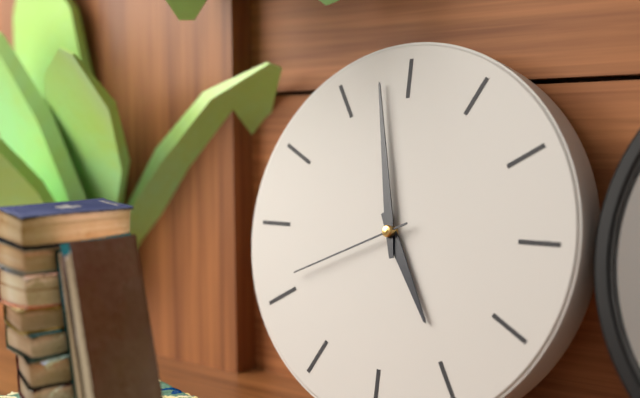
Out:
4,58,41
